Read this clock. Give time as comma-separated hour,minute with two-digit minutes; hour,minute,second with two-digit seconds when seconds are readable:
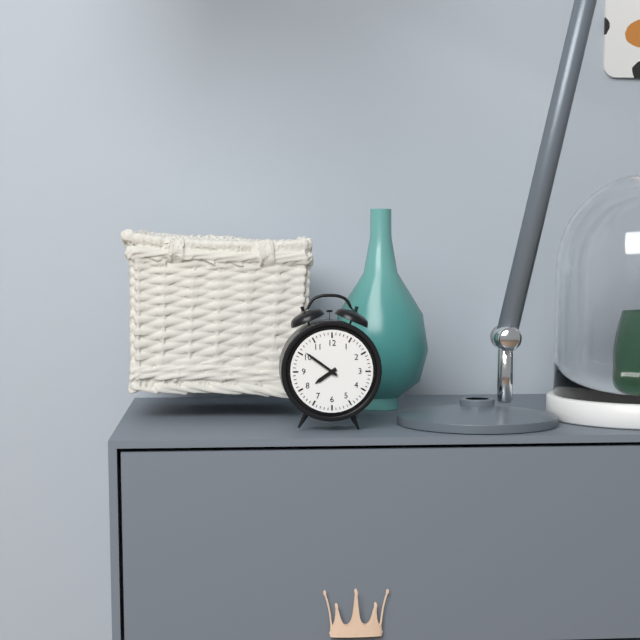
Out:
7,51
